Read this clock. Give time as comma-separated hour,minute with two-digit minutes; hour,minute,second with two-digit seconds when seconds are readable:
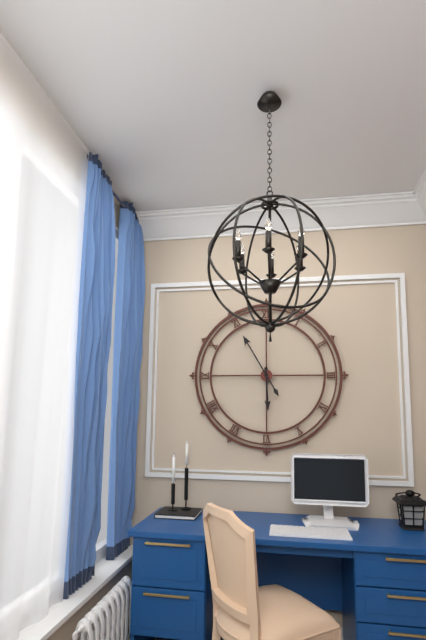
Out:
5,55
